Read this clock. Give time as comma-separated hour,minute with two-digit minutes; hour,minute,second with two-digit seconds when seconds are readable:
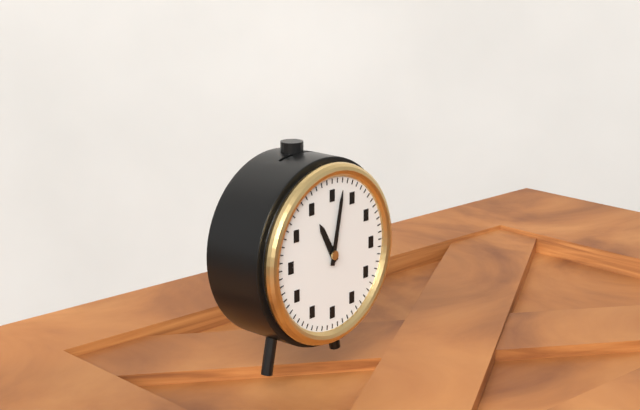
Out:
11,02
